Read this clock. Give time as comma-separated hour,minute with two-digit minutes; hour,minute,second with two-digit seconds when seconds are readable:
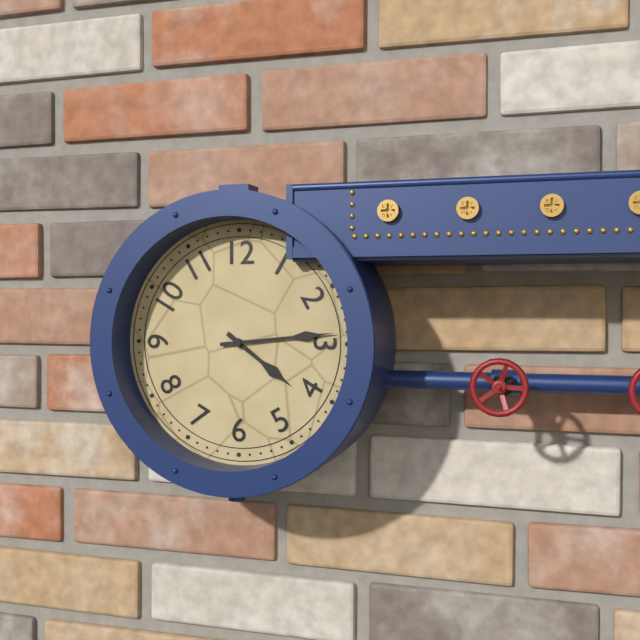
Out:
4,14
